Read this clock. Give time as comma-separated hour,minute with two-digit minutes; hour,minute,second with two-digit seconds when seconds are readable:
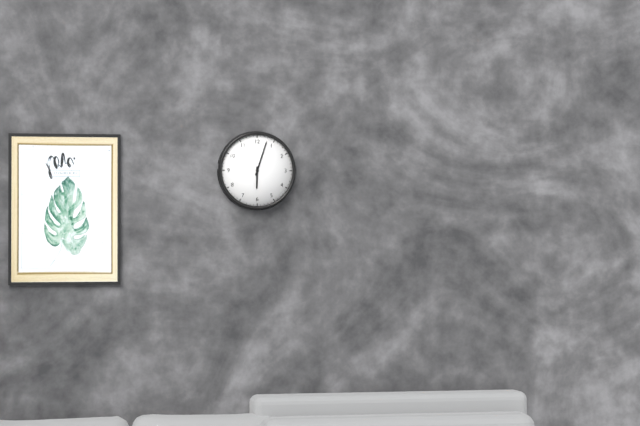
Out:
6,03
